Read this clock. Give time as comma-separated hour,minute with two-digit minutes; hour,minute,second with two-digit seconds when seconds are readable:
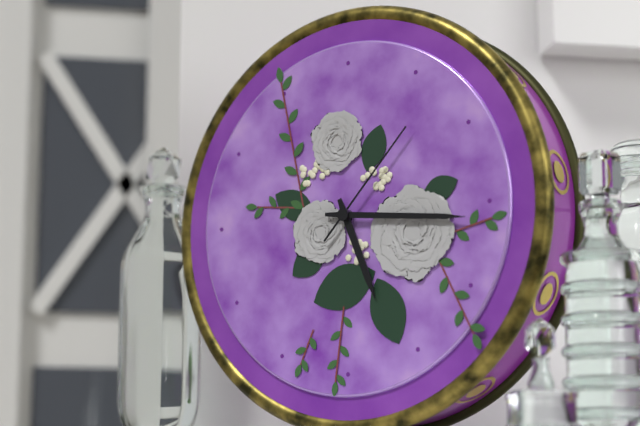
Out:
5,16,07
